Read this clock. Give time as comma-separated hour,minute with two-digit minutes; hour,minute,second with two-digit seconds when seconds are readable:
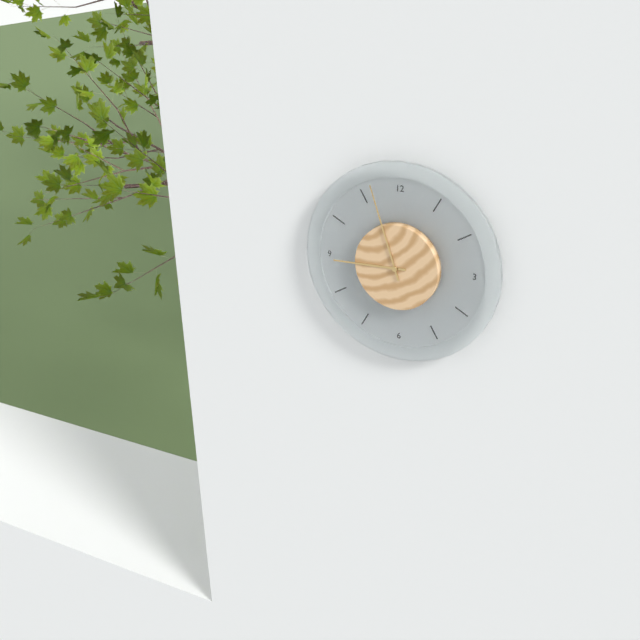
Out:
8,57
